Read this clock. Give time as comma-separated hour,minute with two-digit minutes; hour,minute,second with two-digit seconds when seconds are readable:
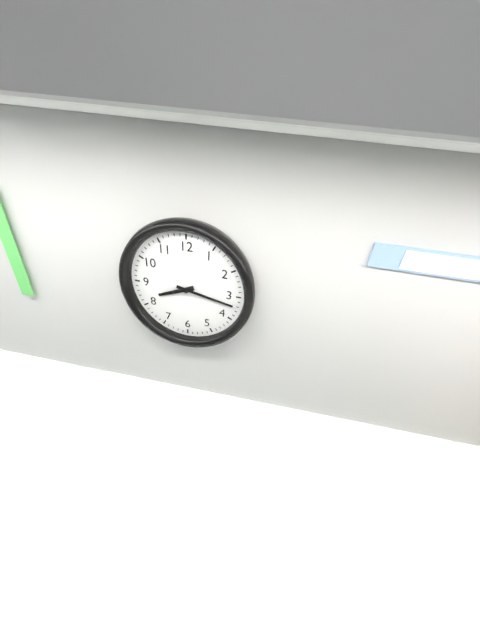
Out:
8,17
